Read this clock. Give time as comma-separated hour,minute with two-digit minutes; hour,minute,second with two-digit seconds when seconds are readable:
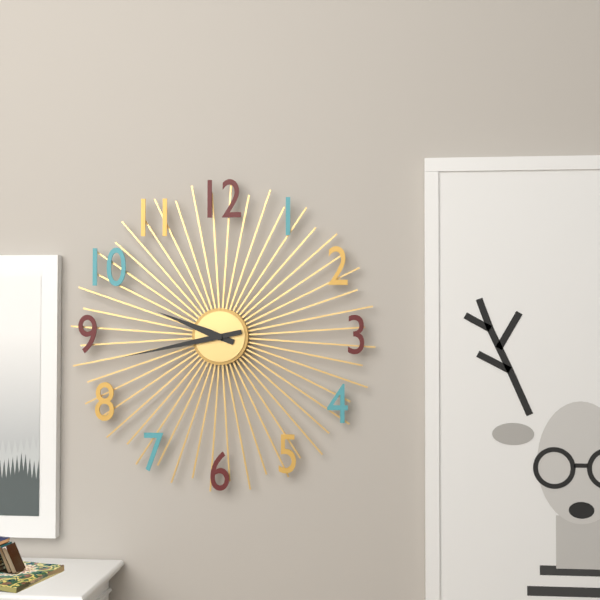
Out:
9,43
